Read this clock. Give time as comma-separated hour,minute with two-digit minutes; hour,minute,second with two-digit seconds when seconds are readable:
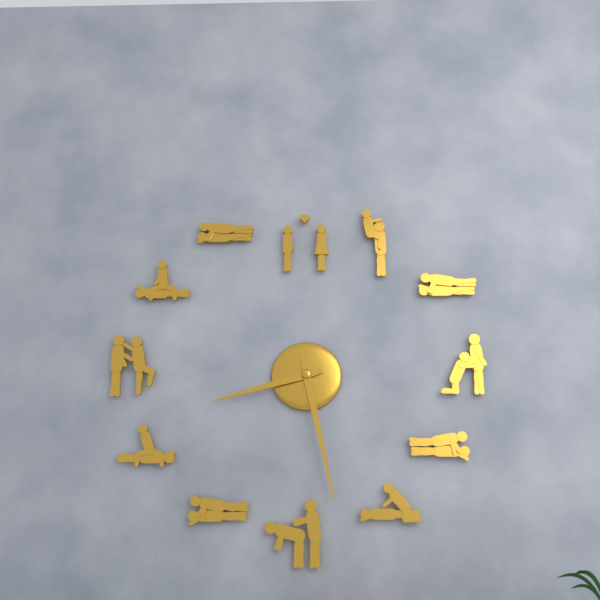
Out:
8,28
